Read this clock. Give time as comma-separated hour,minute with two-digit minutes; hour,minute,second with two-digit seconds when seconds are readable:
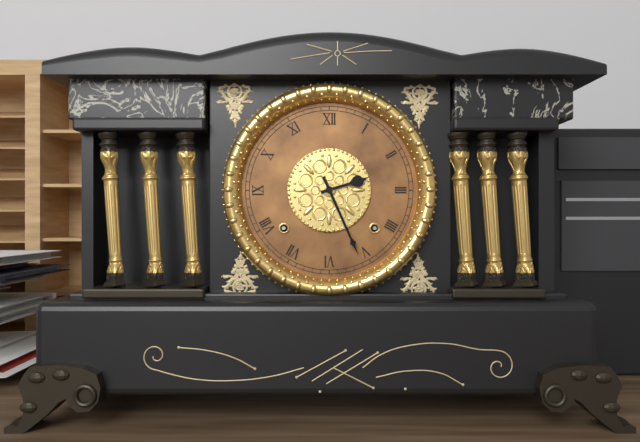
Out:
2,26
